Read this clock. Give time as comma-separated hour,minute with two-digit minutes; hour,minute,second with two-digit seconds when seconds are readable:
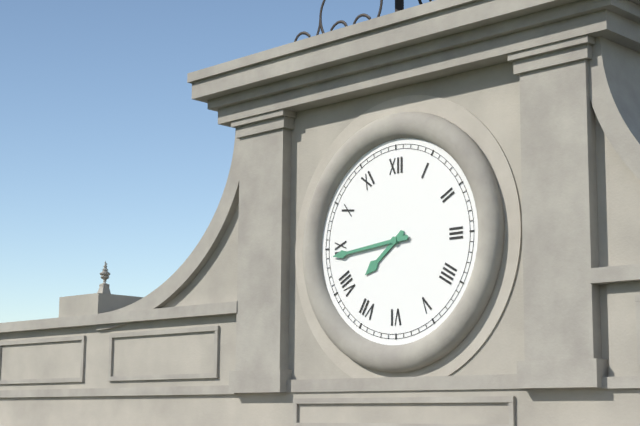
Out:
7,44
